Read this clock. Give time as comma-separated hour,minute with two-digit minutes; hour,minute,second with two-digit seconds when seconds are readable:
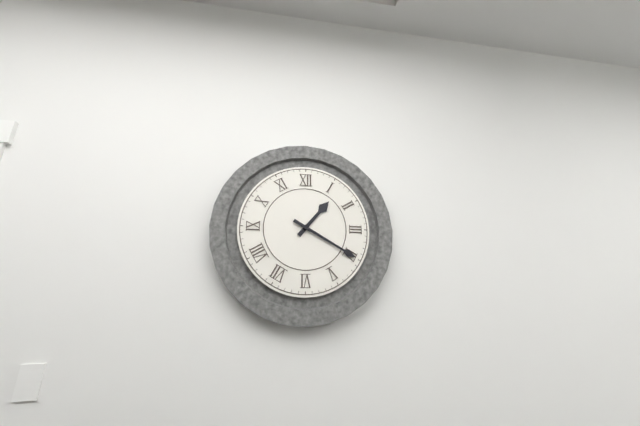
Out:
1,20
